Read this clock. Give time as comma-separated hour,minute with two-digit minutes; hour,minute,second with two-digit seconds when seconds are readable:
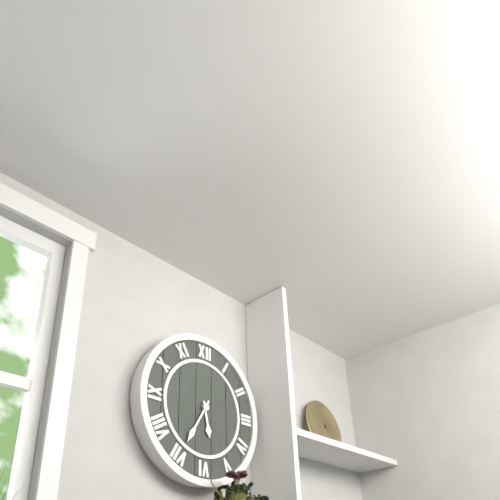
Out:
5,35
